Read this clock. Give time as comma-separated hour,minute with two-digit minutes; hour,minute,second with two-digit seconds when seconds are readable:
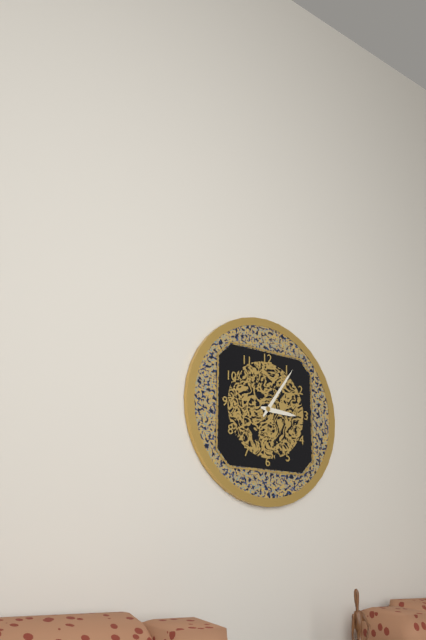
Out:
3,06
